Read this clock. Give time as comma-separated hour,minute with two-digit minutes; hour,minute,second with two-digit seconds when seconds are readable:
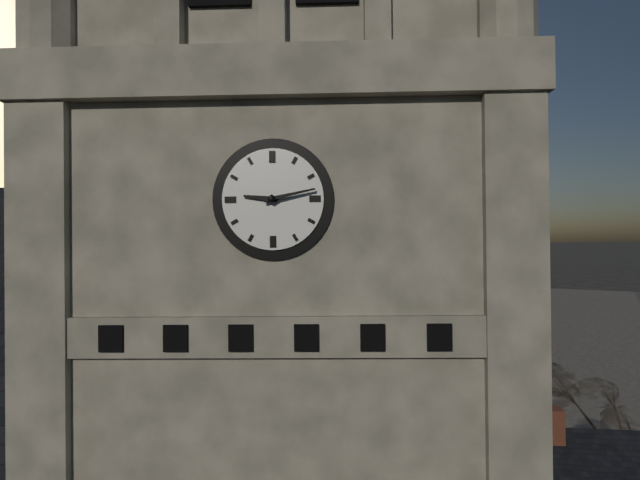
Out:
9,13
